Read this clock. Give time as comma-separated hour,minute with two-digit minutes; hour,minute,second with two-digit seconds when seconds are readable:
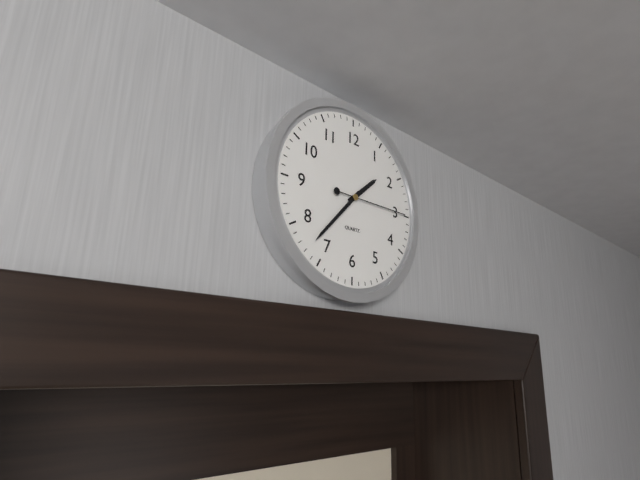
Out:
1,37,15
